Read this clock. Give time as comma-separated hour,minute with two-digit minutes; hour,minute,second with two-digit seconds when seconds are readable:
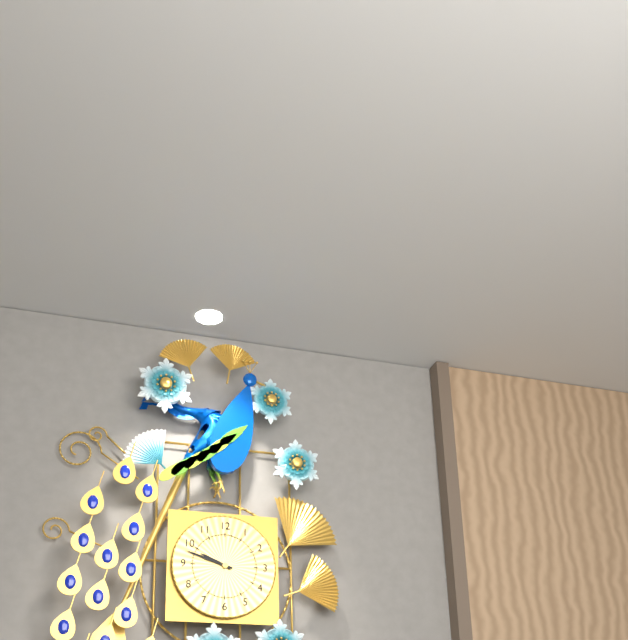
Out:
9,48
